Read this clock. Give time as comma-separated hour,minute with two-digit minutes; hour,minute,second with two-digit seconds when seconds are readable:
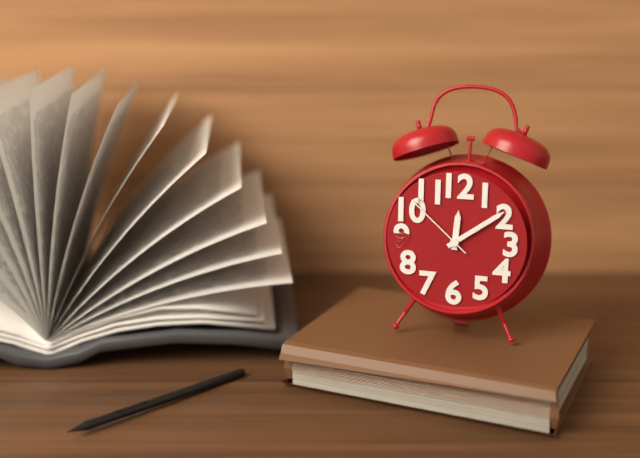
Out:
12,09,52
